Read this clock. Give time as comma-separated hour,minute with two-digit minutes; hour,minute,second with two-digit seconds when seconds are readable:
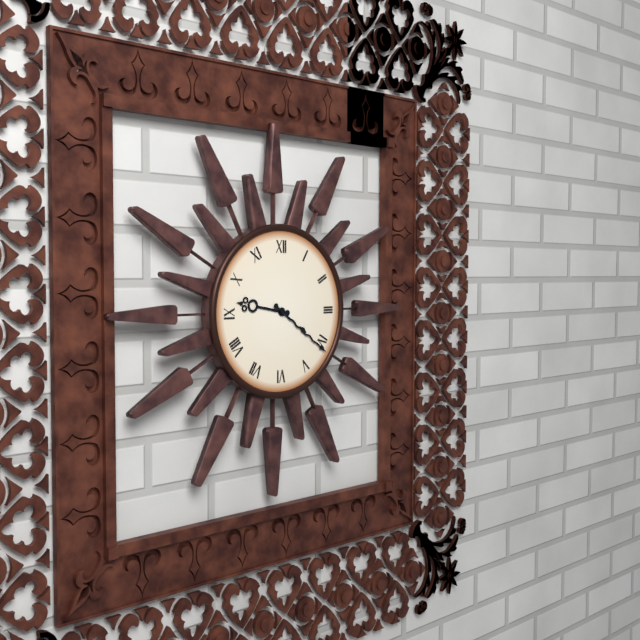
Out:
9,21
